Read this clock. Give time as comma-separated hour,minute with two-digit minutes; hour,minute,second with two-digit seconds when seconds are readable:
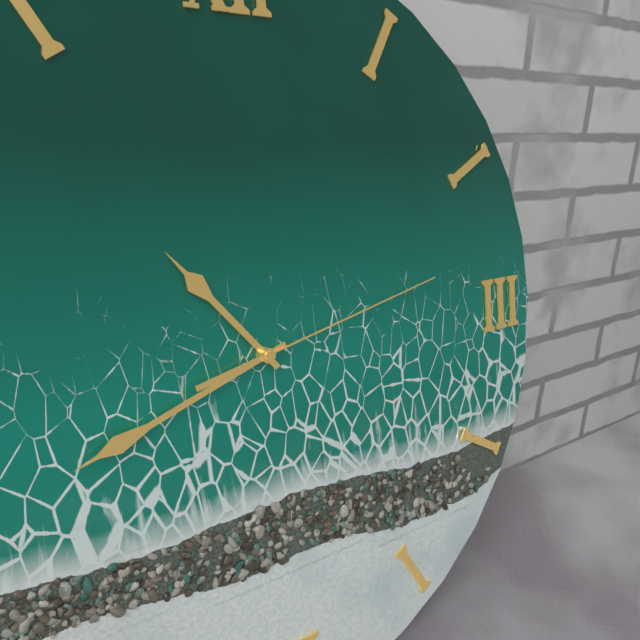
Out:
10,42,13
